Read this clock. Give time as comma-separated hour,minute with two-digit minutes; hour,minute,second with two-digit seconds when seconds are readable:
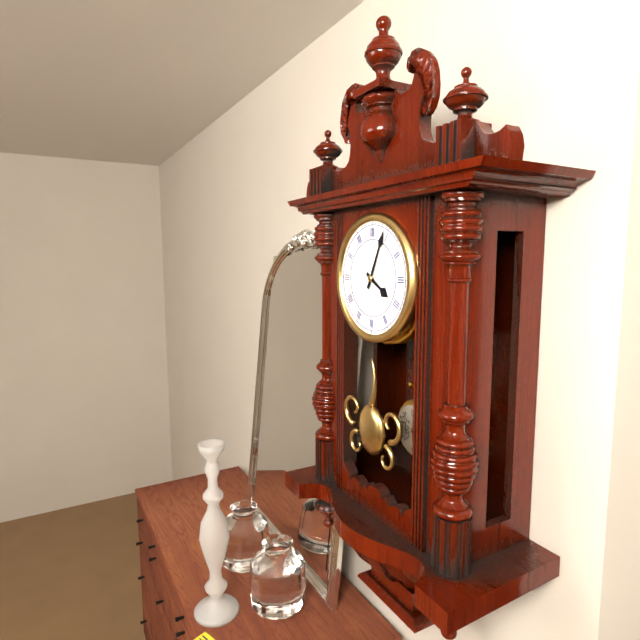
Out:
4,04
